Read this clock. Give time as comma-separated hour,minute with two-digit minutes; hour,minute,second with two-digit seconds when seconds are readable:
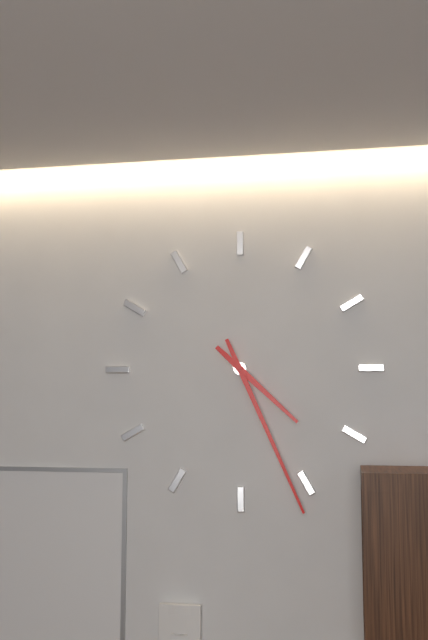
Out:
4,26
